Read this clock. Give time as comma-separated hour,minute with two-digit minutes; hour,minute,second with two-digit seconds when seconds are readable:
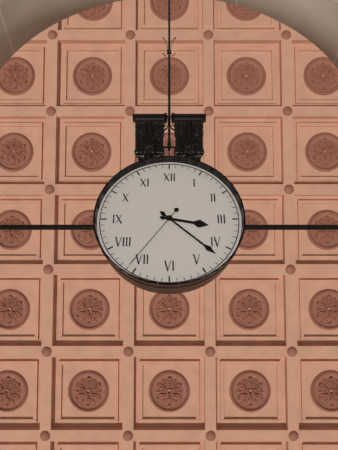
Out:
3,22,36
